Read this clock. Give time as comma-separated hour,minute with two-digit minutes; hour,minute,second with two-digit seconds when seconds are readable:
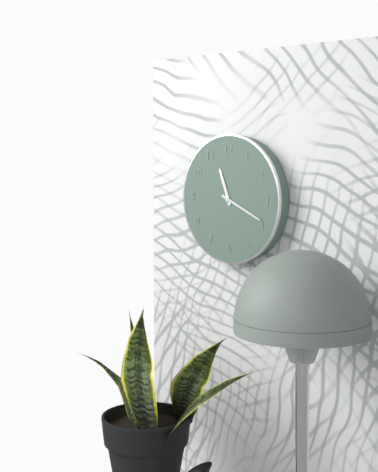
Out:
11,19
